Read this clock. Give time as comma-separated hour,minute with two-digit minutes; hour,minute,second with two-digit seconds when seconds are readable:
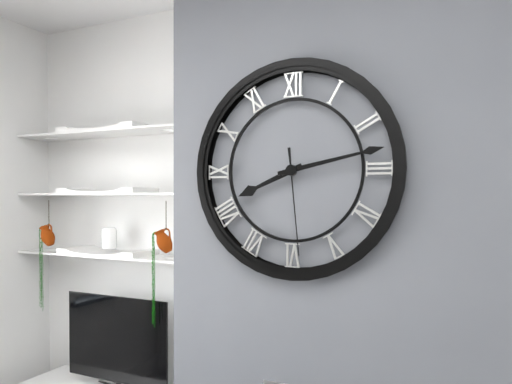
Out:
8,13,29
